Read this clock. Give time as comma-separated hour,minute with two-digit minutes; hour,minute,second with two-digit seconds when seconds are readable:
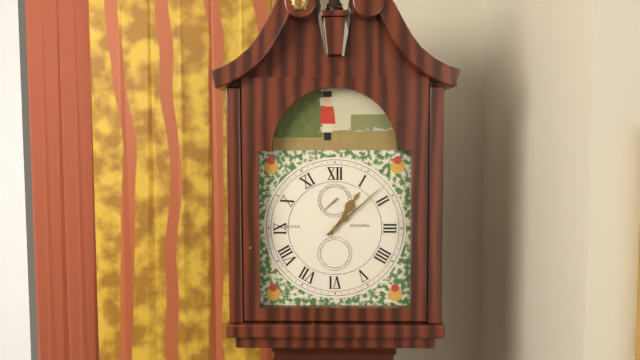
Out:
1,08
